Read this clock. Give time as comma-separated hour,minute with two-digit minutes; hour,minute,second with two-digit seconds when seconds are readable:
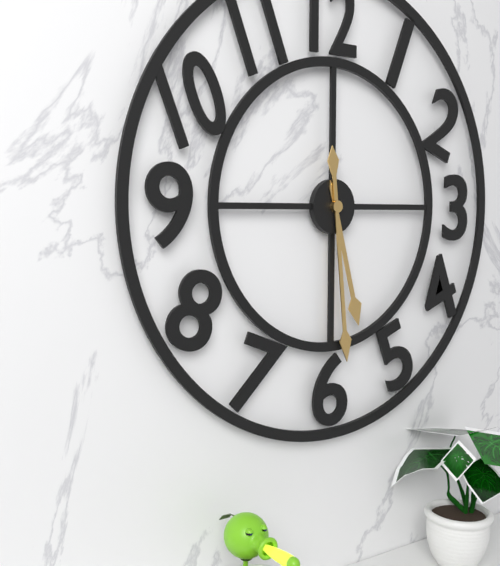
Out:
5,29
